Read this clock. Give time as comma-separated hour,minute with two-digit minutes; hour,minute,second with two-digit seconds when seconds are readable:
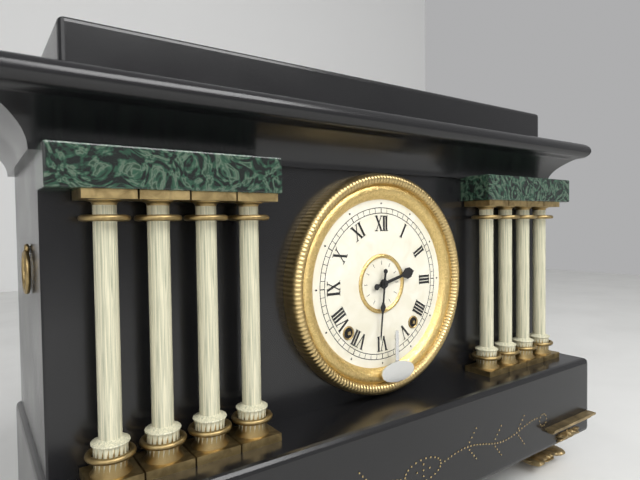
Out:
2,31
